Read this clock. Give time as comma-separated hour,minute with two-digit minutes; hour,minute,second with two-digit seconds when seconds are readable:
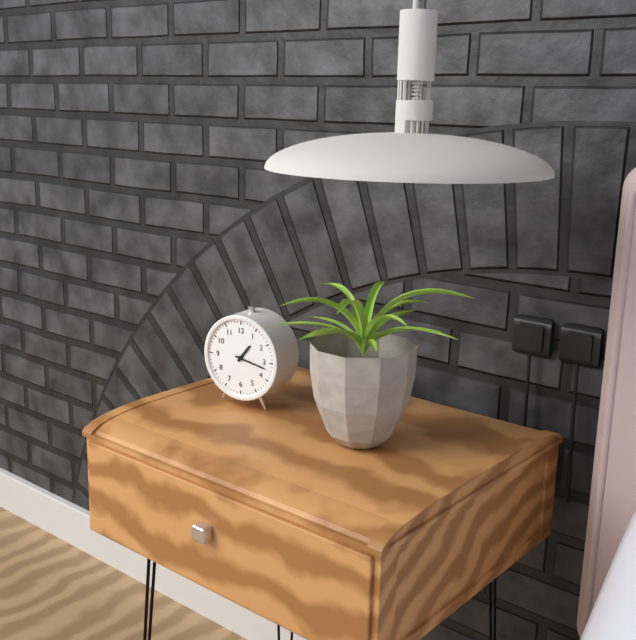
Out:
1,17
